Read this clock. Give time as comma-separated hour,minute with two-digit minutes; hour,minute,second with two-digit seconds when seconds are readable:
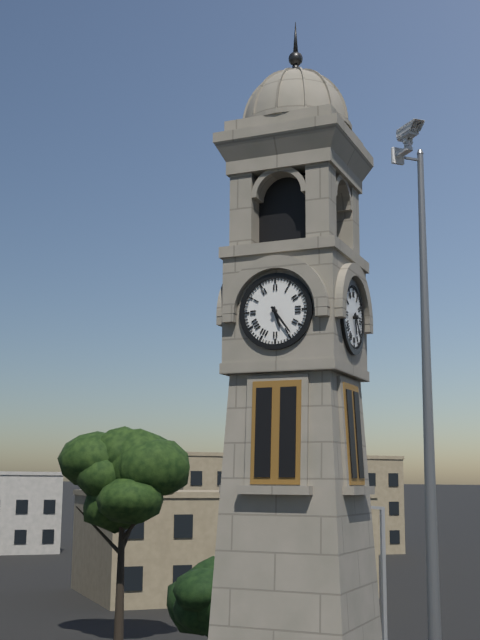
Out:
5,24
